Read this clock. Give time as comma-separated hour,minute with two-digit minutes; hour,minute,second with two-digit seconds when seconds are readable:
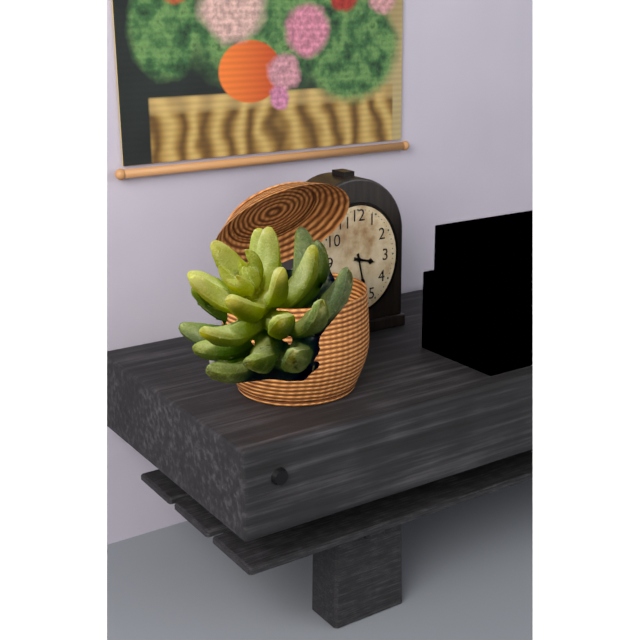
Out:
3,28
